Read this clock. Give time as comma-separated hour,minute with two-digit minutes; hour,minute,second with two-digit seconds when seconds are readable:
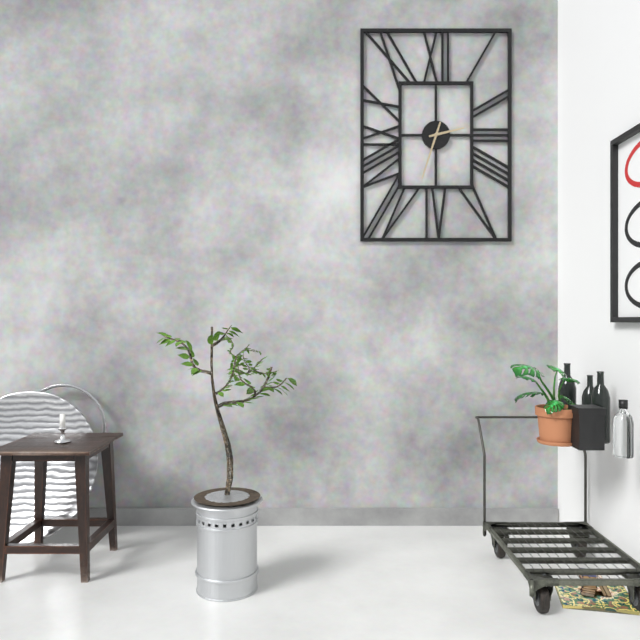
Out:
2,33
